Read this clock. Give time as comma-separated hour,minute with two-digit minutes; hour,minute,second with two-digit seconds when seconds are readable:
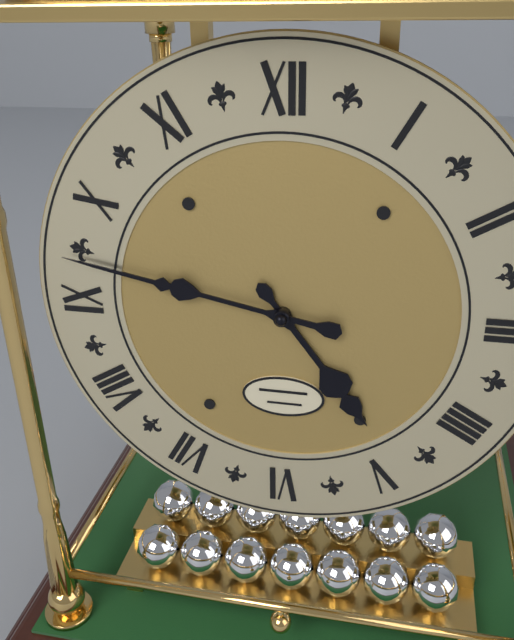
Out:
4,47
